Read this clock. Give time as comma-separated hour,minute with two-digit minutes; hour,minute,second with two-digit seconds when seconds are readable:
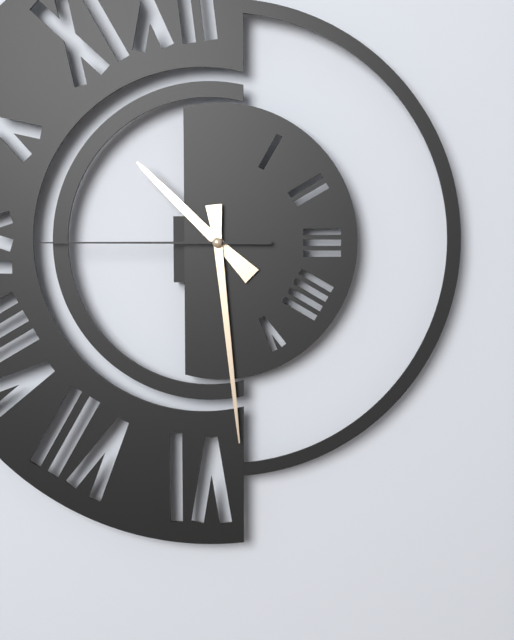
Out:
10,29,45
